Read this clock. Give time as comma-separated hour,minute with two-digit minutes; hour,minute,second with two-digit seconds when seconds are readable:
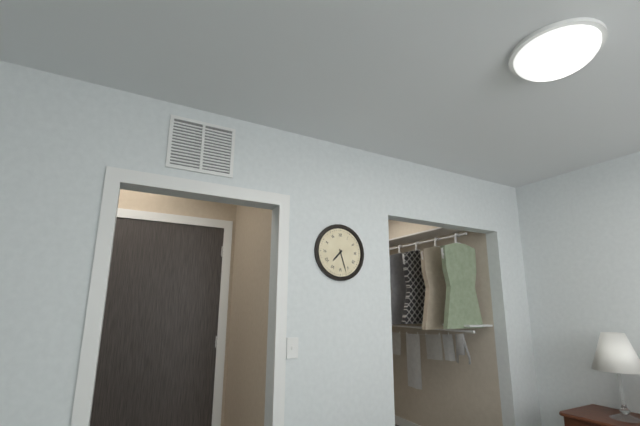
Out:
7,27
